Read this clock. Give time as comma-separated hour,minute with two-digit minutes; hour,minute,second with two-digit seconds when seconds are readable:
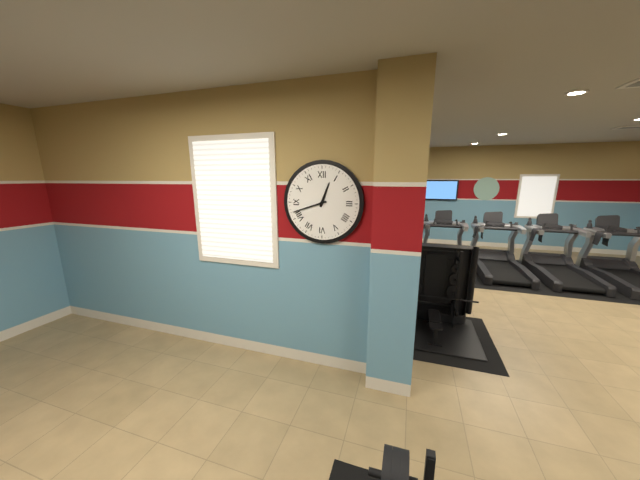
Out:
12,42
